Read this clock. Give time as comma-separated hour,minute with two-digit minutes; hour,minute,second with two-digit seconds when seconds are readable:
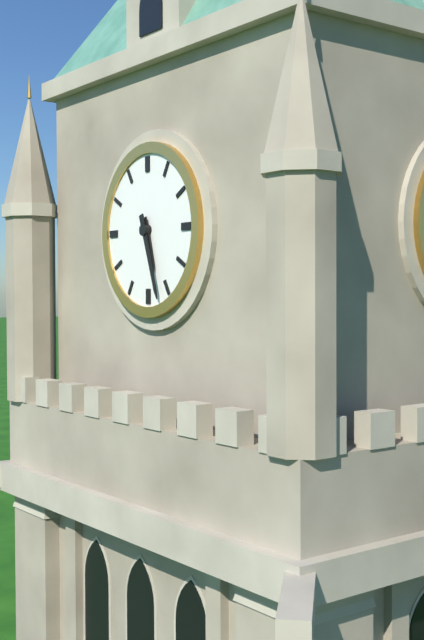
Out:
5,27
